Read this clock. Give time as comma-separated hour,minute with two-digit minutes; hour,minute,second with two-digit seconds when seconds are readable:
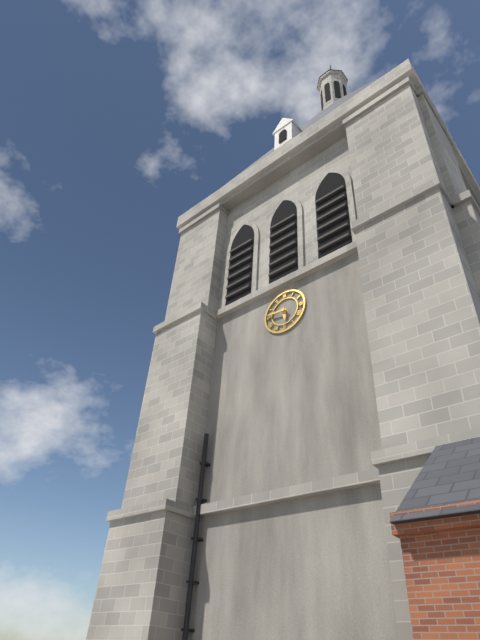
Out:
5,46
